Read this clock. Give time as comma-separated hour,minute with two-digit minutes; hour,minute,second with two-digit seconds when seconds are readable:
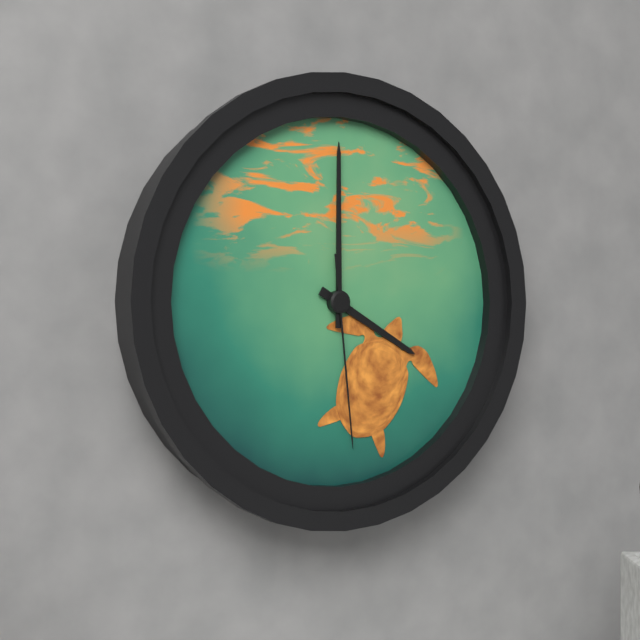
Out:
4,00,29
